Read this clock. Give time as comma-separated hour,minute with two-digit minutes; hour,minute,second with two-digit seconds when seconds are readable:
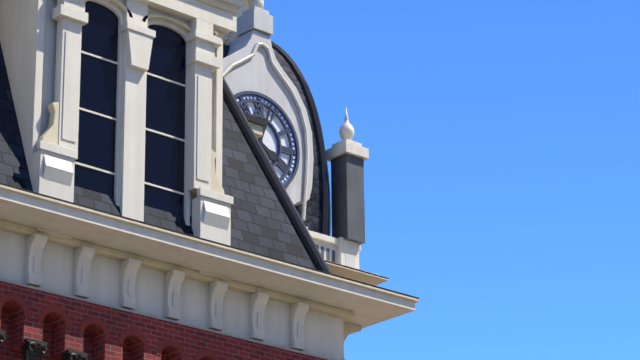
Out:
4,03
